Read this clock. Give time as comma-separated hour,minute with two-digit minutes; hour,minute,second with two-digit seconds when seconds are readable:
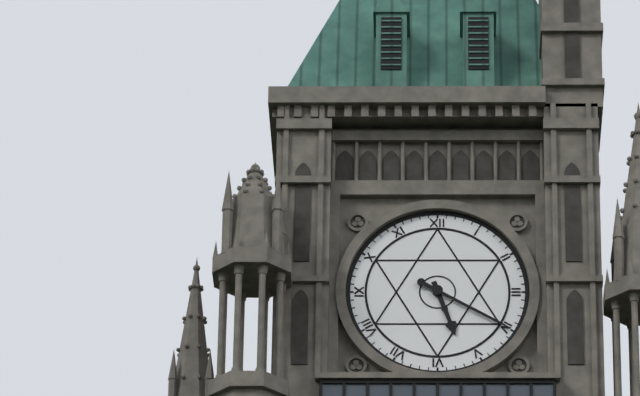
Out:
5,20
